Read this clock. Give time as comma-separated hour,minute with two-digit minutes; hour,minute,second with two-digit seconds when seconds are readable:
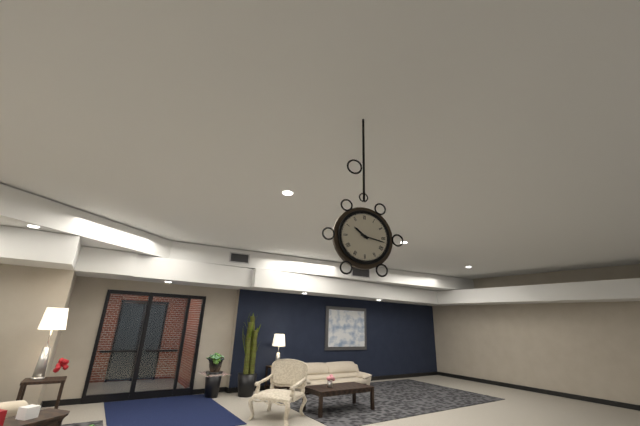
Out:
10,17
